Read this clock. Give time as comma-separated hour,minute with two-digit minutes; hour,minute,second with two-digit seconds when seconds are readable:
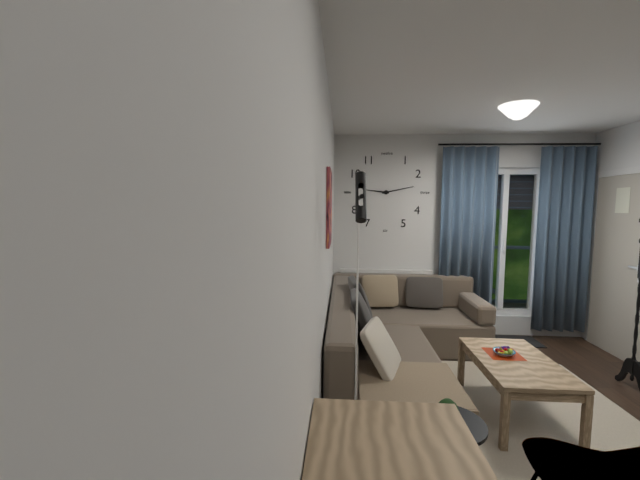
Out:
9,13
